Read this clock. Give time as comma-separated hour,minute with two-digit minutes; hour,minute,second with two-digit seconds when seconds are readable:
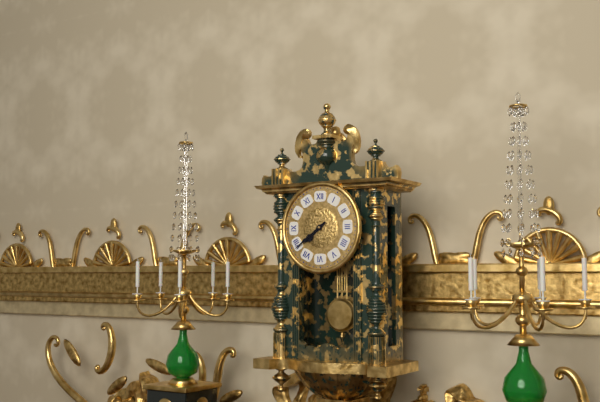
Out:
7,39
